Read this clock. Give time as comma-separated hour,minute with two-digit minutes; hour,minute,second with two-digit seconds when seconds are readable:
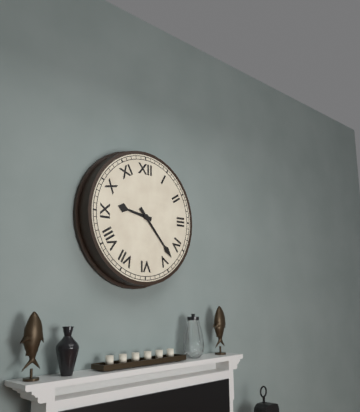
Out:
9,23
